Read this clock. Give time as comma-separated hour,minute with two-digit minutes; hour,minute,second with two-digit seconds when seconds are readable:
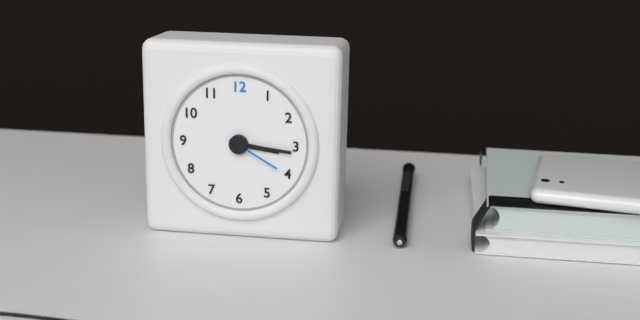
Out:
3,16,20
